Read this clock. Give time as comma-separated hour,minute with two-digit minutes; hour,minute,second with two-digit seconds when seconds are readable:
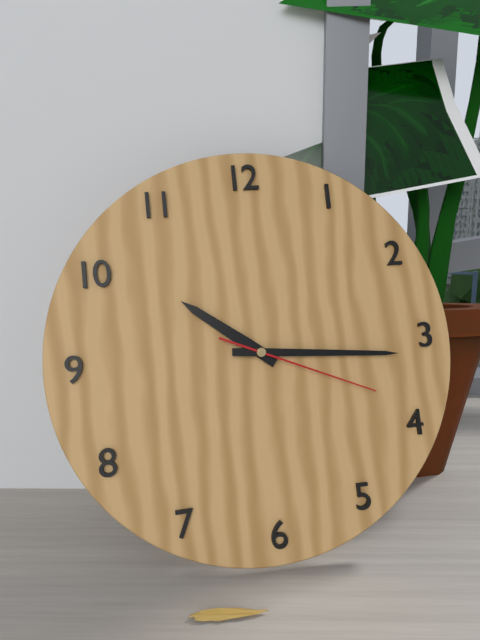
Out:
10,16,19
